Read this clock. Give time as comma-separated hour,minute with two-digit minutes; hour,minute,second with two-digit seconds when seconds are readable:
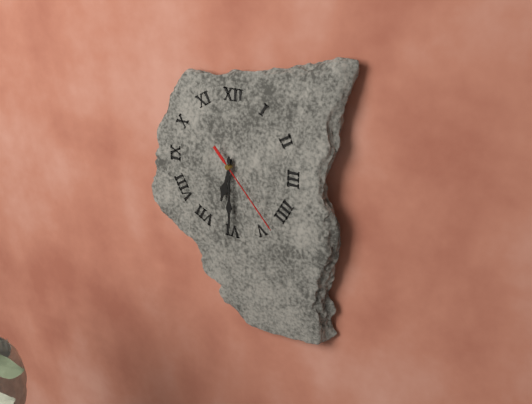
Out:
6,30,23
